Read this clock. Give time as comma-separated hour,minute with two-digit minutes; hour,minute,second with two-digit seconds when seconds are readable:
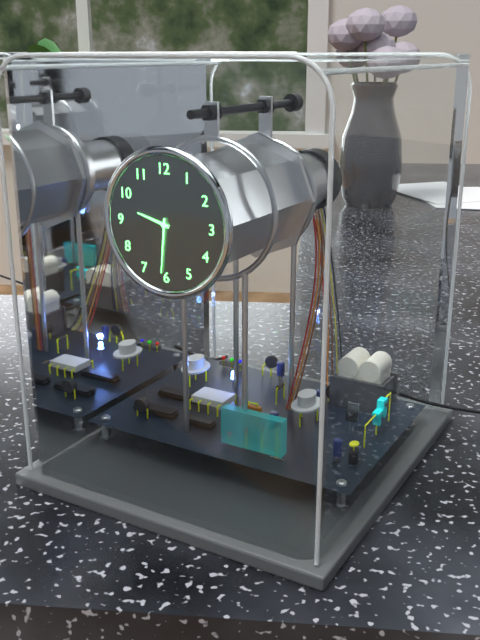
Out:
9,31
